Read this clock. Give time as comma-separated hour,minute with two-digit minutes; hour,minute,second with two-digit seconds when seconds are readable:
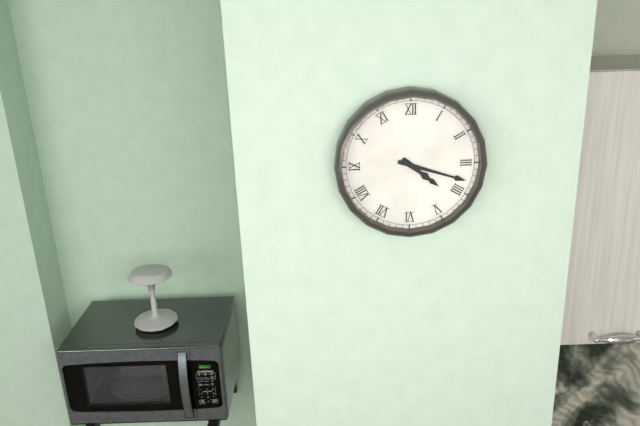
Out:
4,18
